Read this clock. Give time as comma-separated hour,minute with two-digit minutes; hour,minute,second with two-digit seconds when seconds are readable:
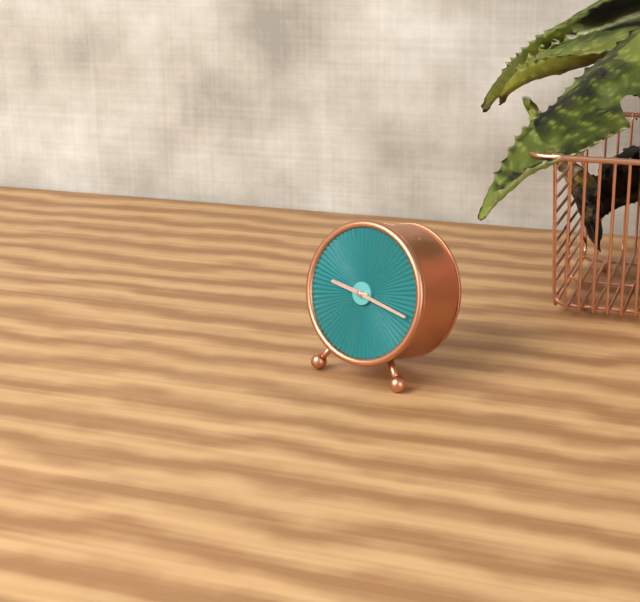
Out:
9,17
